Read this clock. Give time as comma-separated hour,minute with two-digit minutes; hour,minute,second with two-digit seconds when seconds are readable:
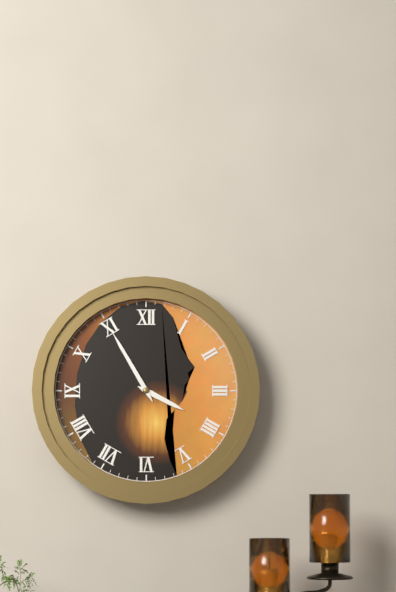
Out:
3,55
